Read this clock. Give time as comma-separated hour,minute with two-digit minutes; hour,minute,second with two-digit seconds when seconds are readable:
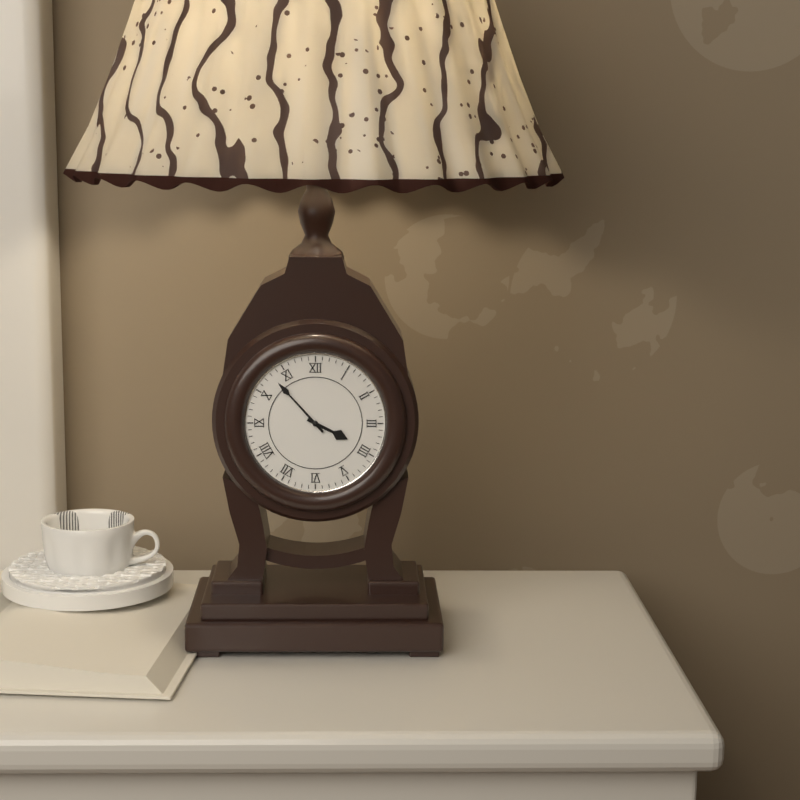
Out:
3,53
